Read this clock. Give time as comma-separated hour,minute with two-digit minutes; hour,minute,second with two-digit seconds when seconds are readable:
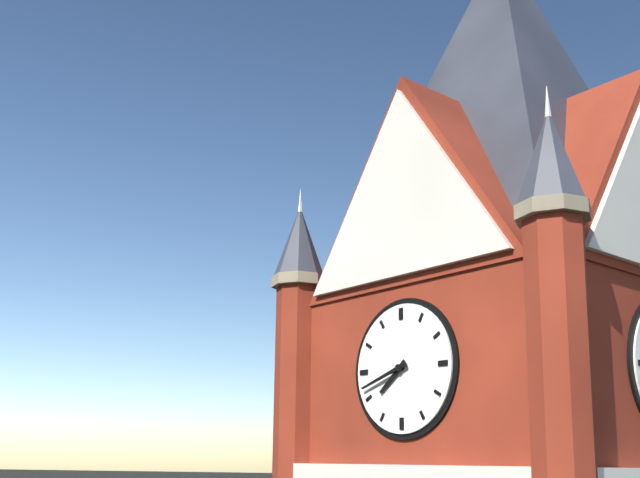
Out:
7,42
